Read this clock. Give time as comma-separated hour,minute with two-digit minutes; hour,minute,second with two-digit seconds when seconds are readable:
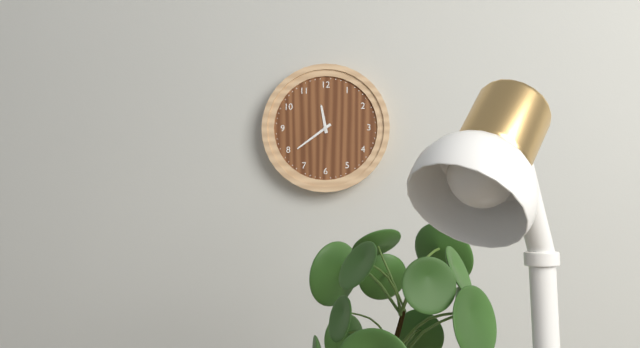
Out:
11,39
